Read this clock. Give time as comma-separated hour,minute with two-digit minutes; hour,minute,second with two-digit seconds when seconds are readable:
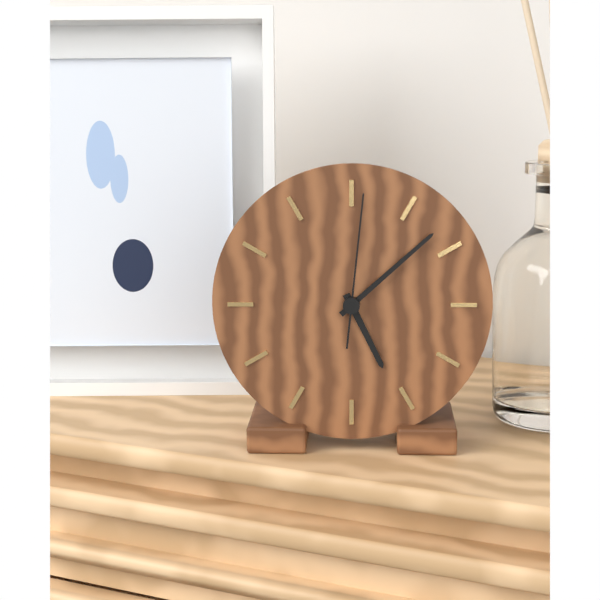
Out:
5,08,01
